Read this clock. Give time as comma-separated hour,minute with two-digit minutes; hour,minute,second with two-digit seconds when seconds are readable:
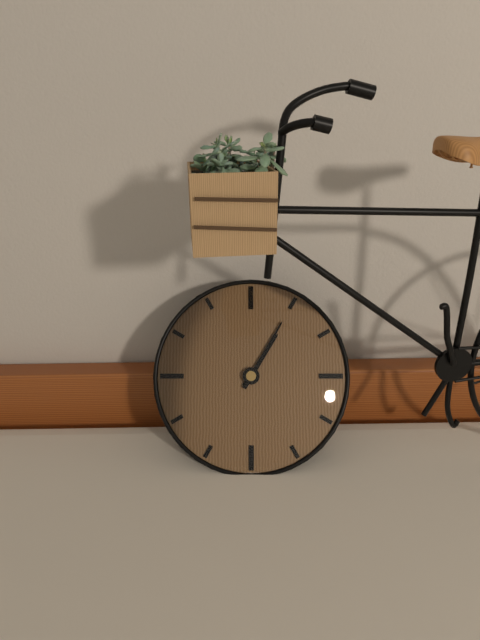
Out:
1,05
